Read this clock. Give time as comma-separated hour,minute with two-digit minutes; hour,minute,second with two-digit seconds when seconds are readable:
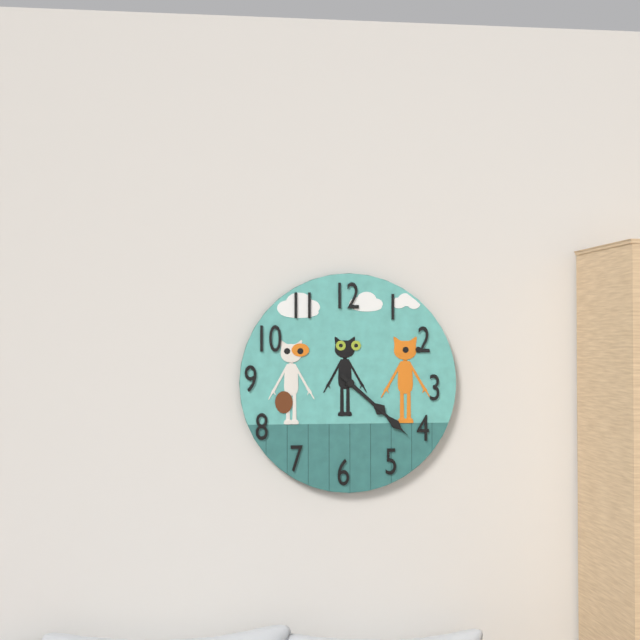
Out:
4,22
